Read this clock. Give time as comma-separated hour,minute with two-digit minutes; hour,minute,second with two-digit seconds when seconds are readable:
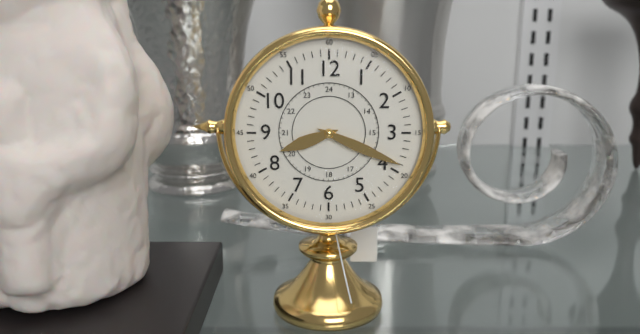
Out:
8,19
